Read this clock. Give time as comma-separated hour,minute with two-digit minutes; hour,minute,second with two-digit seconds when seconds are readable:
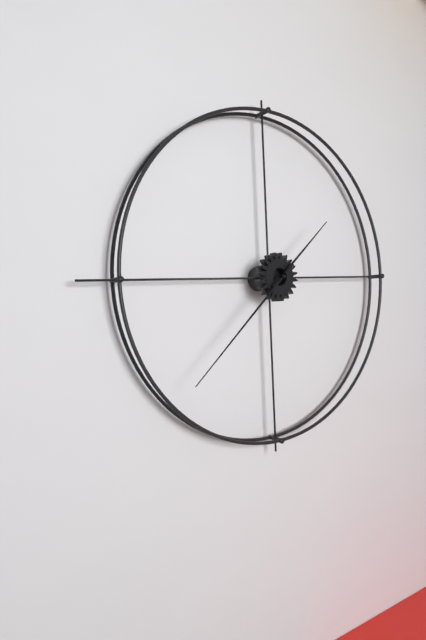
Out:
1,38
